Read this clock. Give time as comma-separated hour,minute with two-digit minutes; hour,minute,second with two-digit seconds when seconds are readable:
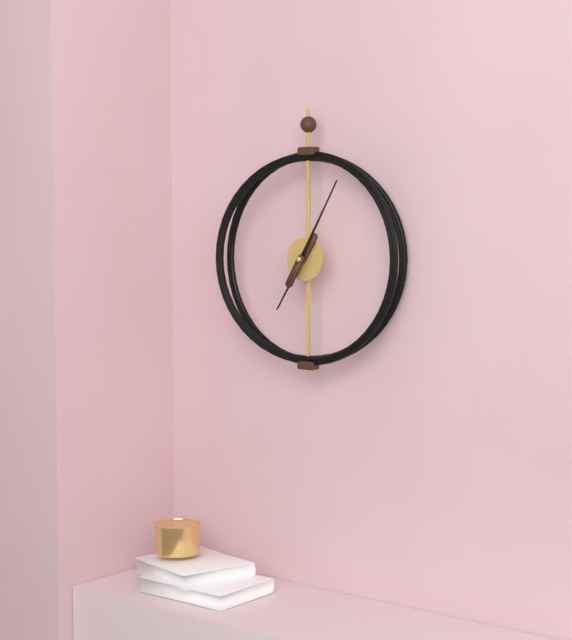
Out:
7,05
